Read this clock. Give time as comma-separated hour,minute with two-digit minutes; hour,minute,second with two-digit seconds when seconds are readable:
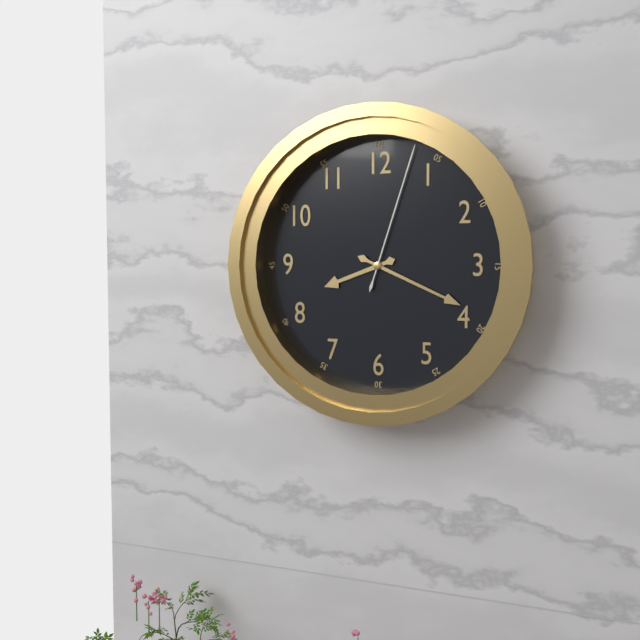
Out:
8,19,03
